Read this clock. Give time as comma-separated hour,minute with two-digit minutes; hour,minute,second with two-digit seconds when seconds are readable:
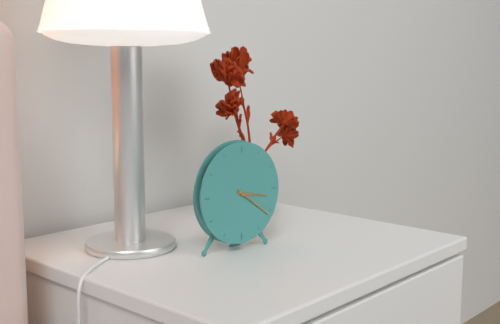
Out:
3,21
